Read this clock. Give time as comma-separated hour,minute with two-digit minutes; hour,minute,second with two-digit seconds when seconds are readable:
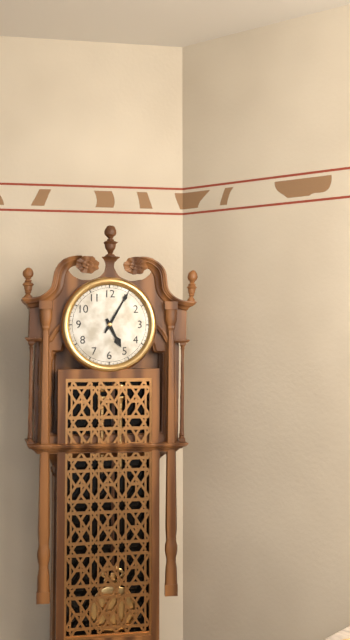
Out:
5,05
